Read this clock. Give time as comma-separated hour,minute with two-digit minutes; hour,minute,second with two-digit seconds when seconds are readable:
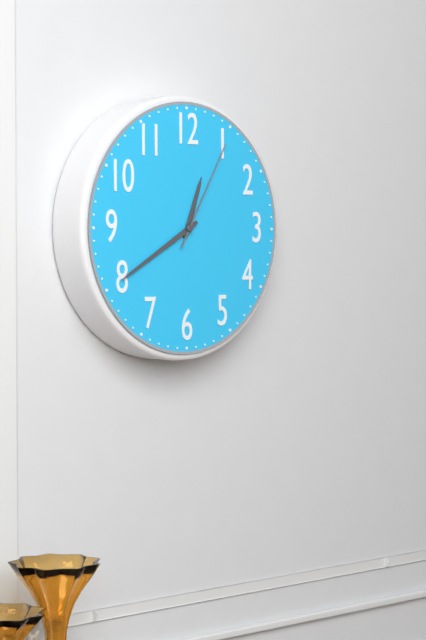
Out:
12,40,05
